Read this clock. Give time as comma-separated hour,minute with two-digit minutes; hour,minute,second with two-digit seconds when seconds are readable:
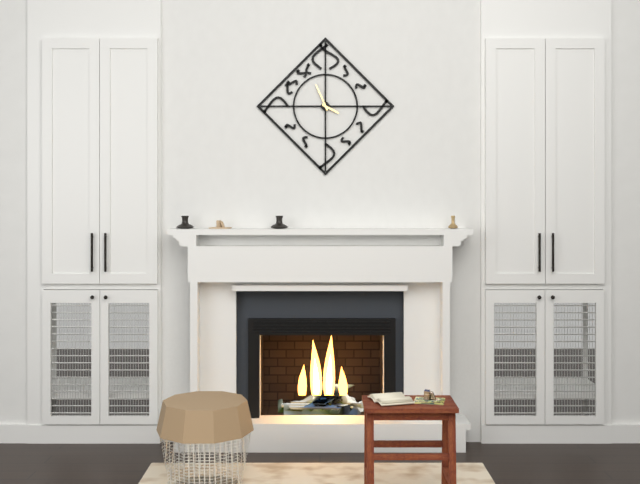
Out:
3,56
